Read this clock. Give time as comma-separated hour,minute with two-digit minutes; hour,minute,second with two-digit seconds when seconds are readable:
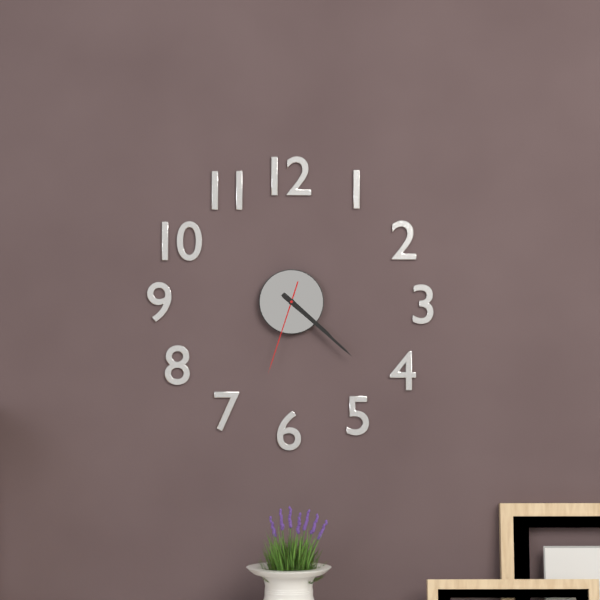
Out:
4,22,33
